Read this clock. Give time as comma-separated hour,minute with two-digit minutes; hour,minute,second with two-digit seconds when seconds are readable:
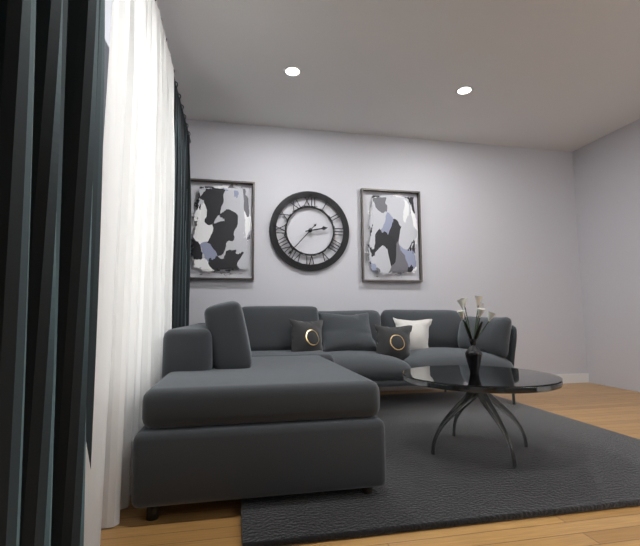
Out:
2,37
